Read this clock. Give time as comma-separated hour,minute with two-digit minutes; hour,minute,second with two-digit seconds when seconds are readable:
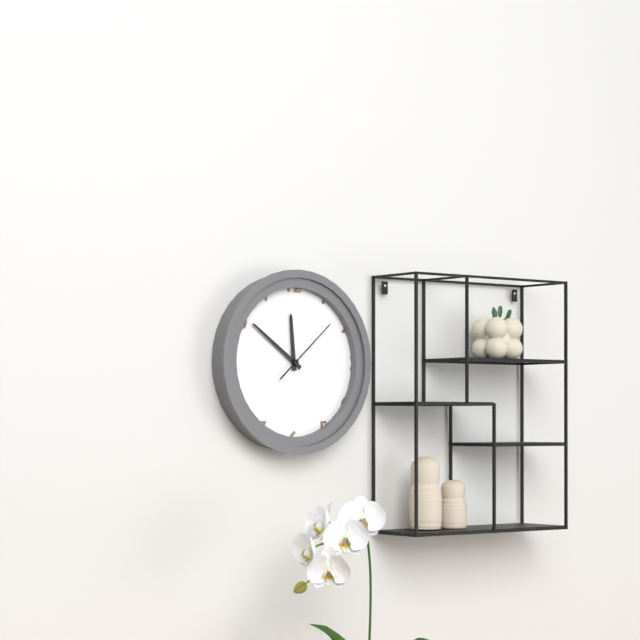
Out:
11,51,08
